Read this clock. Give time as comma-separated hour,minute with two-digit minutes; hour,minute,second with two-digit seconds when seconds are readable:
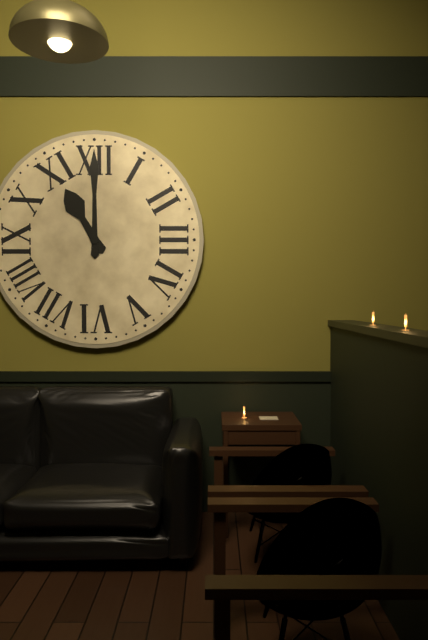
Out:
11,00
